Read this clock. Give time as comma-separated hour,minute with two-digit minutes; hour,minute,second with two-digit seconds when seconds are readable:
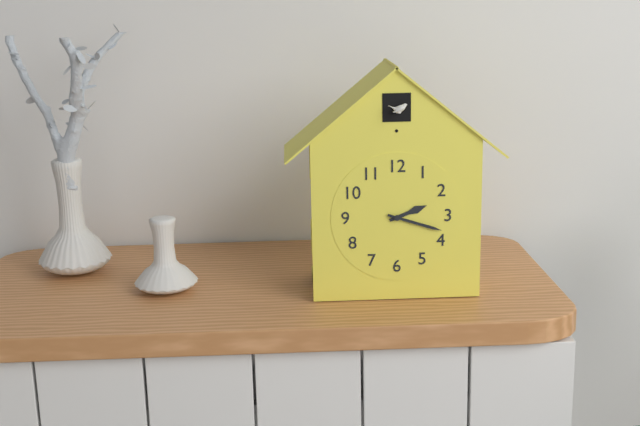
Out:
2,18
